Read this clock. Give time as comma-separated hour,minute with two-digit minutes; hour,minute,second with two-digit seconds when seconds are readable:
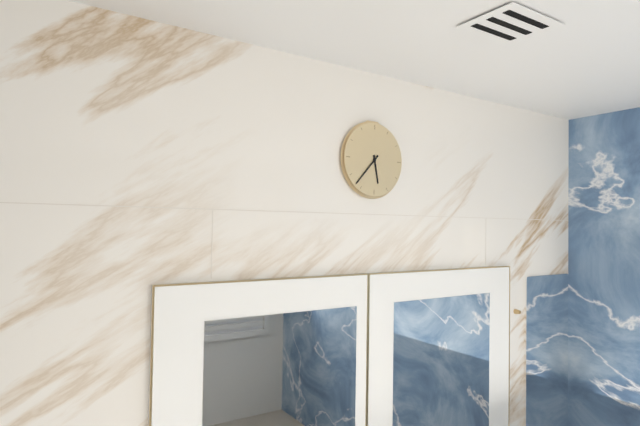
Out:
5,37
